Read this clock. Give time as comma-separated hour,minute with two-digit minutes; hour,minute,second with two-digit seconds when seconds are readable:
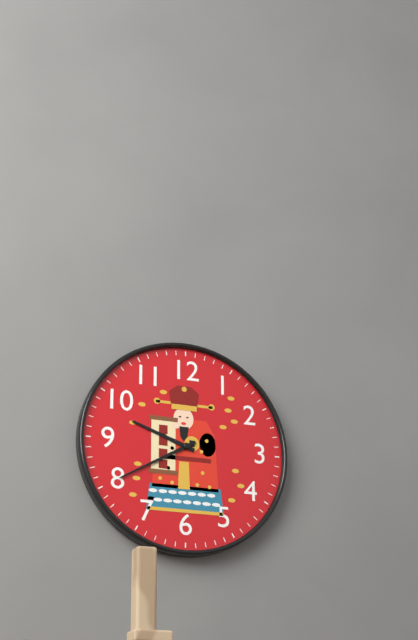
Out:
9,40
